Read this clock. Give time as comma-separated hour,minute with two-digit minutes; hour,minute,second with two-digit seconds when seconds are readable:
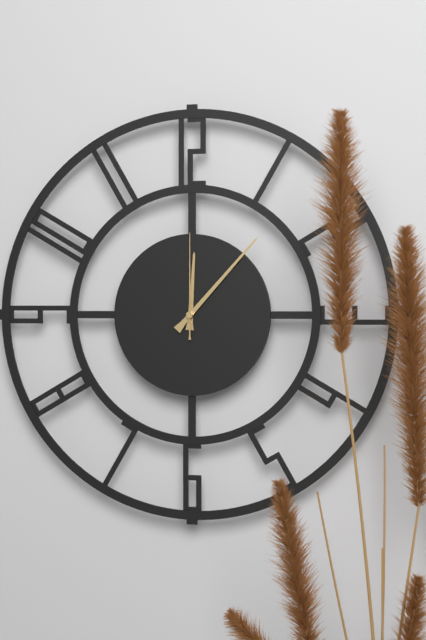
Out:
12,07,00
